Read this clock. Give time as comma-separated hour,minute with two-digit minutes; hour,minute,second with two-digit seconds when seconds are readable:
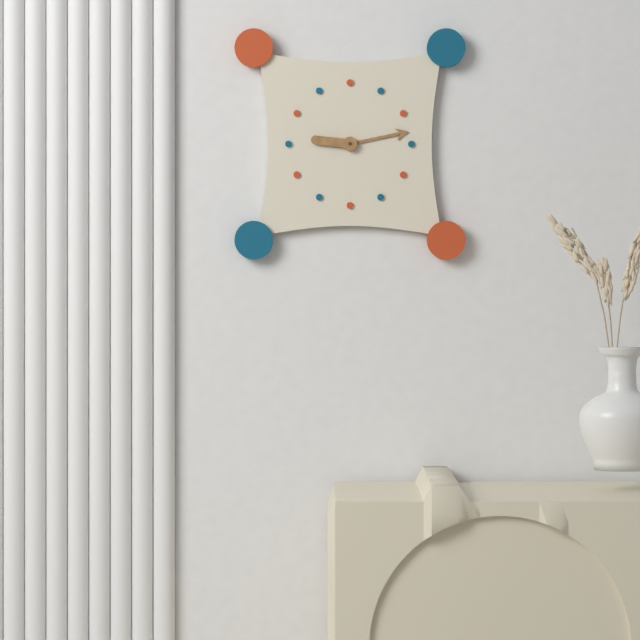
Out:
9,13
